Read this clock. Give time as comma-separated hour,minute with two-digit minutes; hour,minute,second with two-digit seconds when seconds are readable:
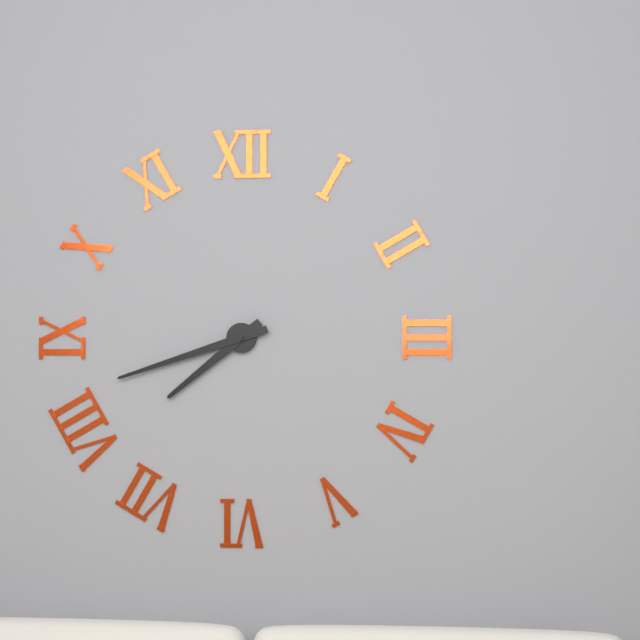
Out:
7,42
